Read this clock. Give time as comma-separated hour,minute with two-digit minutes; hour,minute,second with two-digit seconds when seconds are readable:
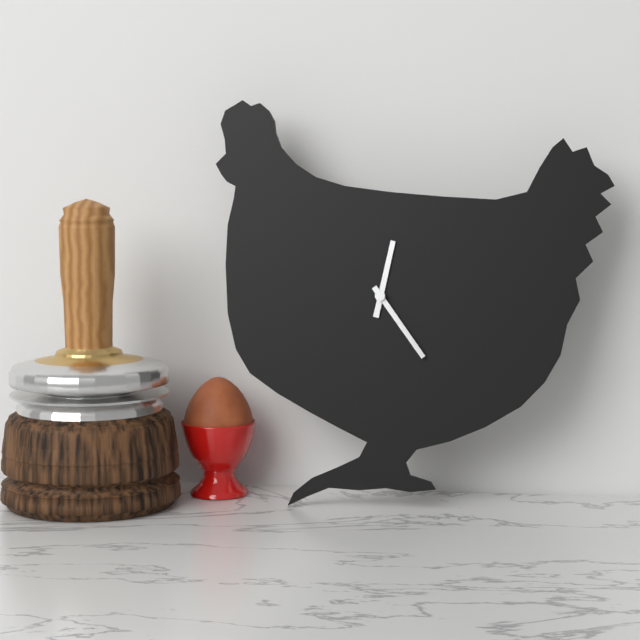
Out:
12,24
